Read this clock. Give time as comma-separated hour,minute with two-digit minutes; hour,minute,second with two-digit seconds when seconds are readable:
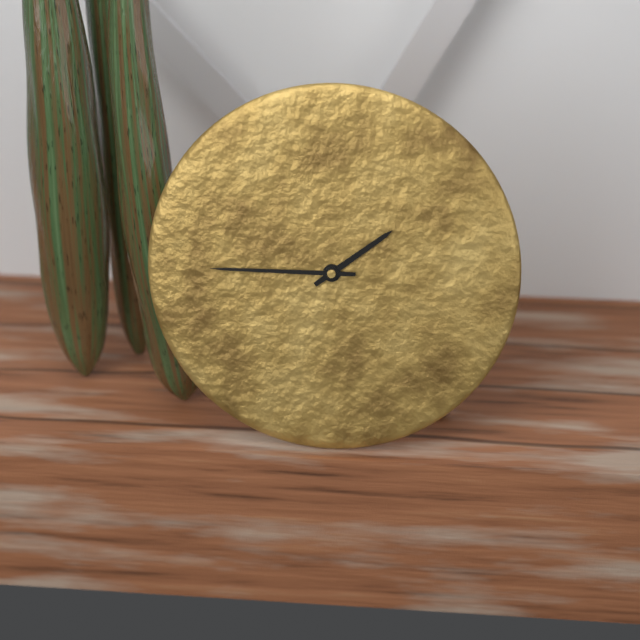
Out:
1,45
